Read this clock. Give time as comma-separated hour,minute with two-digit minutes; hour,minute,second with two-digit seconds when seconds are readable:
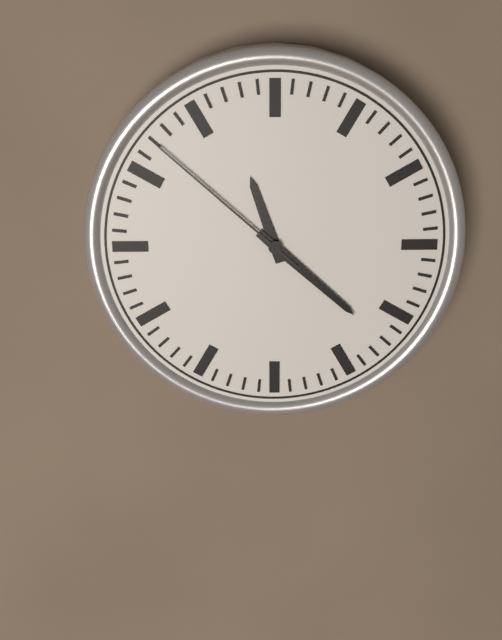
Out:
11,22,52
